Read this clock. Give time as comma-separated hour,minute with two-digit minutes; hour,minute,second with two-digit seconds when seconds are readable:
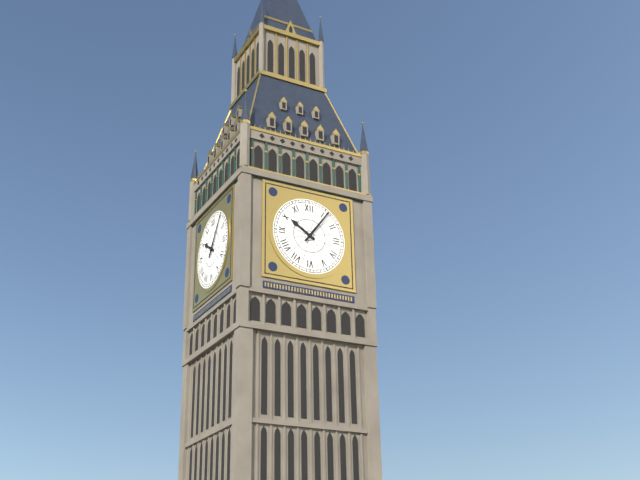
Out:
10,06
